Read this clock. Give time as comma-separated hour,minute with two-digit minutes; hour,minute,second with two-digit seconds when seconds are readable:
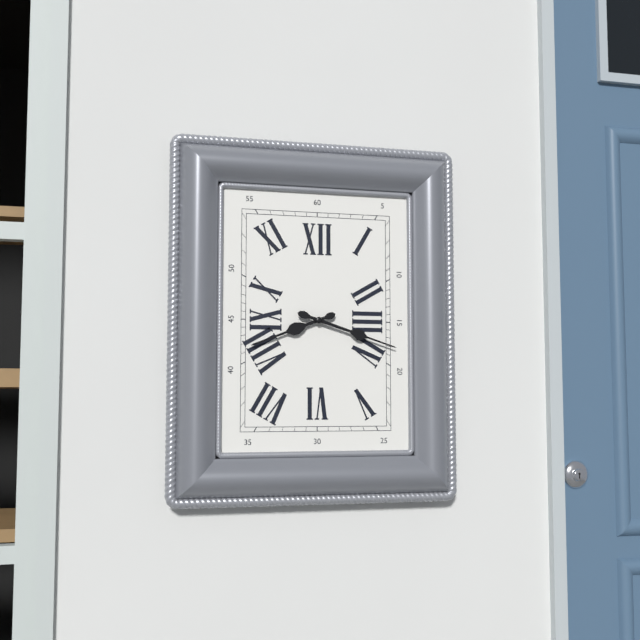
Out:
8,18
